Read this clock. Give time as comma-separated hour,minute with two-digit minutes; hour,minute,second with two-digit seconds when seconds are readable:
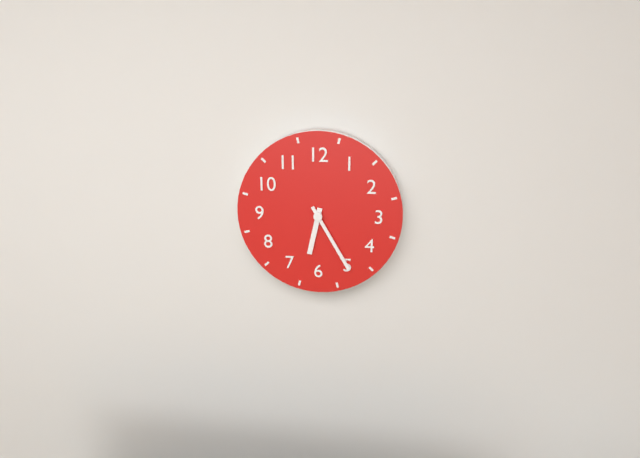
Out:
6,25
